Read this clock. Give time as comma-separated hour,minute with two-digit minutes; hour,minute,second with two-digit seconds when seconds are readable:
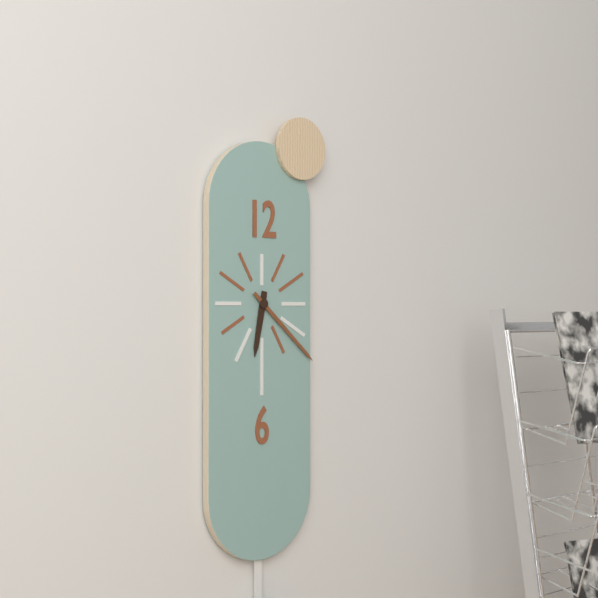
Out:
6,22
